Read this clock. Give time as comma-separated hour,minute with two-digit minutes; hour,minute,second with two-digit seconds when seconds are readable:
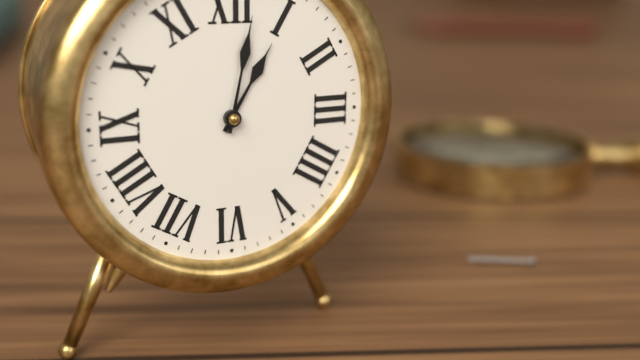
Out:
1,02
